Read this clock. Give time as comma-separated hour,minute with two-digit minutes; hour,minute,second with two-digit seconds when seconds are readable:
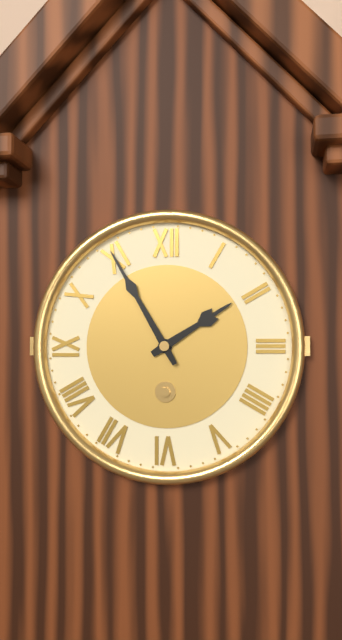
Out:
1,55
